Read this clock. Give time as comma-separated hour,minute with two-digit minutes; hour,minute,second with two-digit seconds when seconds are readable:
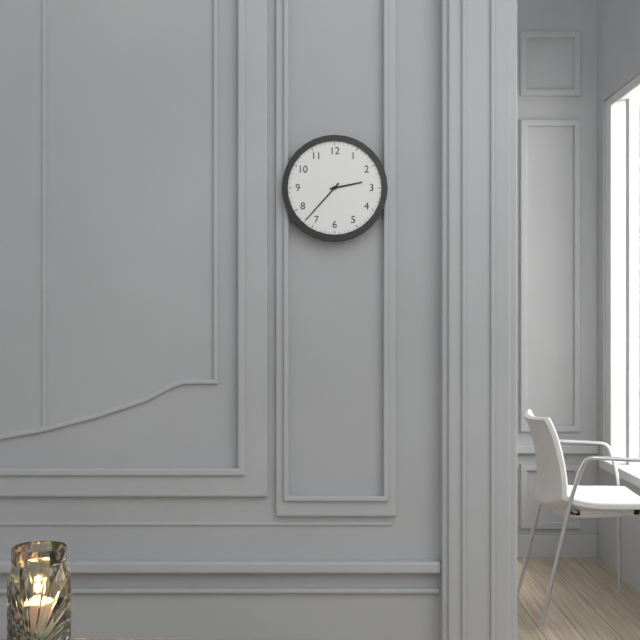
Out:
2,37
